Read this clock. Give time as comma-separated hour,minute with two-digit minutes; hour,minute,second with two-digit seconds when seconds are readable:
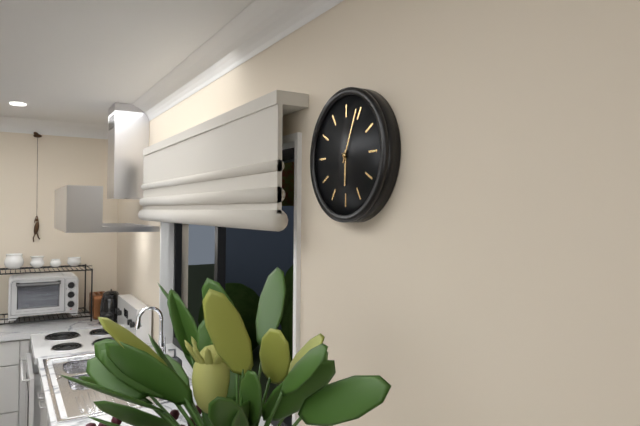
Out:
6,04
